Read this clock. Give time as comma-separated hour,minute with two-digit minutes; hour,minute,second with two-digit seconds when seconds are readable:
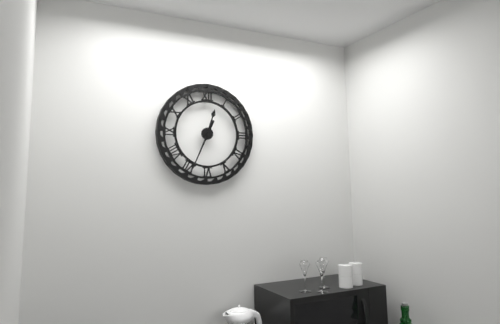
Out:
12,34
